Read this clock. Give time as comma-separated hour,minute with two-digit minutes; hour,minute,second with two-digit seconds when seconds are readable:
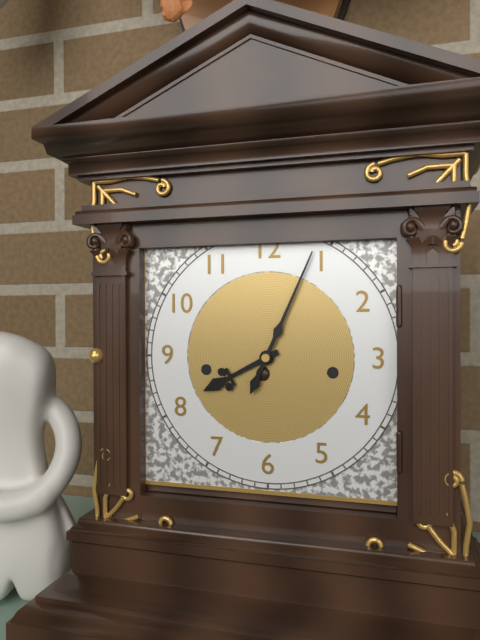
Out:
8,04
